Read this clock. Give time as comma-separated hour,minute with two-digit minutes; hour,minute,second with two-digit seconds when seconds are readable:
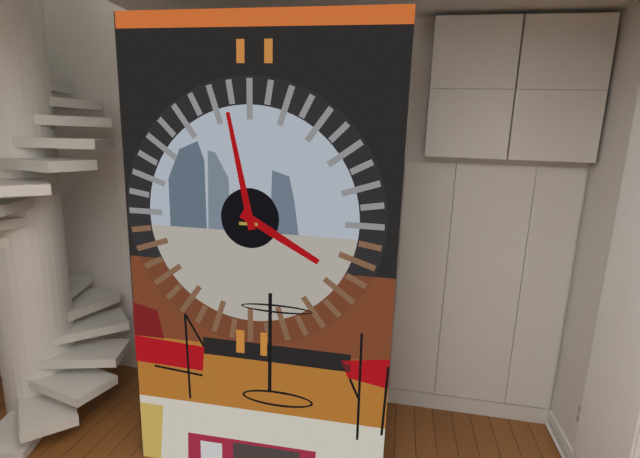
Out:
3,58
